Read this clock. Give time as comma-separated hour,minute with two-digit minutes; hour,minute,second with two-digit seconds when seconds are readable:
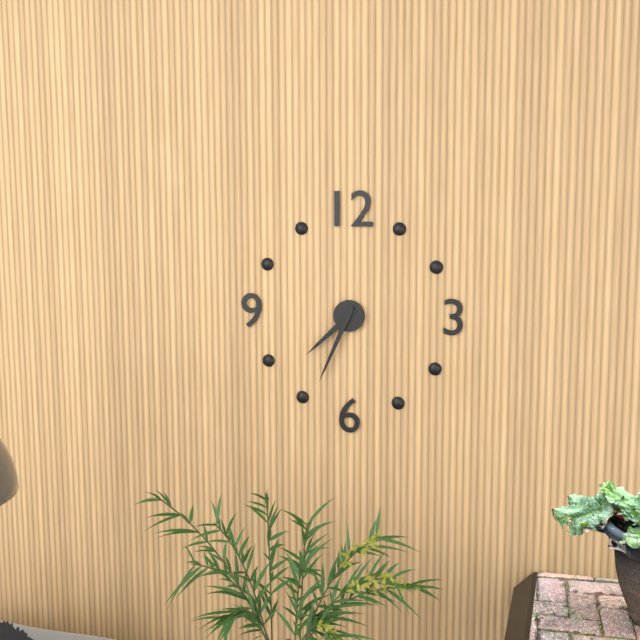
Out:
7,34
